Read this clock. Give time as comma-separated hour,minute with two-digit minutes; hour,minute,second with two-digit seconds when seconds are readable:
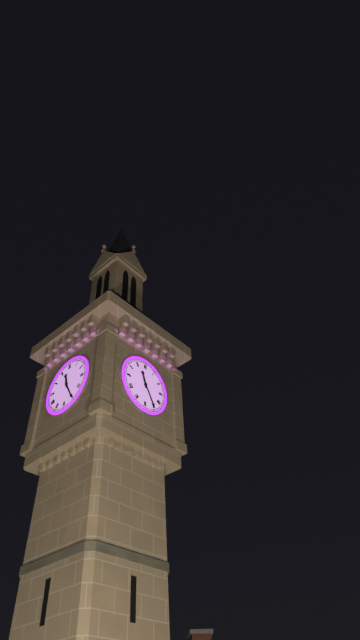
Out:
11,25
